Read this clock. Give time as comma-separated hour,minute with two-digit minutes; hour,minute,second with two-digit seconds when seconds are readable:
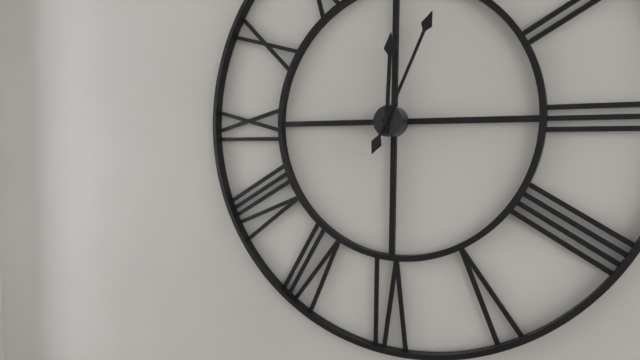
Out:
12,04
